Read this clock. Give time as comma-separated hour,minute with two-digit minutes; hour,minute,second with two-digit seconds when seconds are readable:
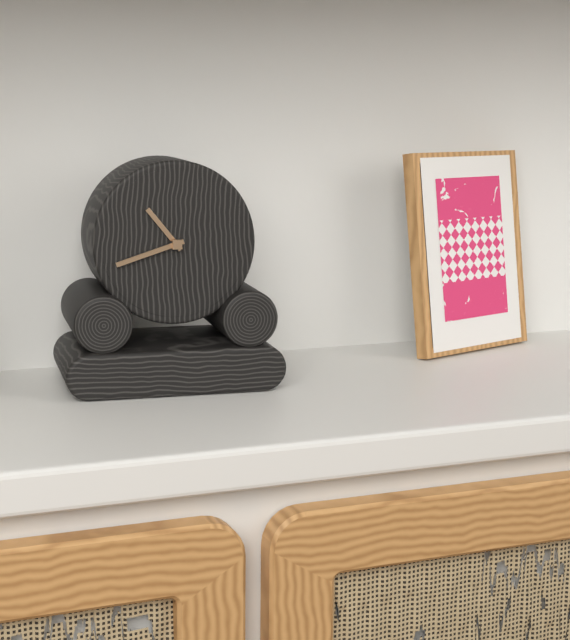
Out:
10,42
